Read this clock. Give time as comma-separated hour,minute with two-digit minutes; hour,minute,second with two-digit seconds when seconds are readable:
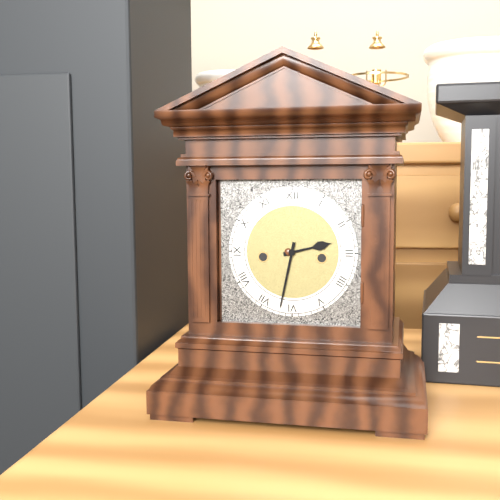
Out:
2,32
